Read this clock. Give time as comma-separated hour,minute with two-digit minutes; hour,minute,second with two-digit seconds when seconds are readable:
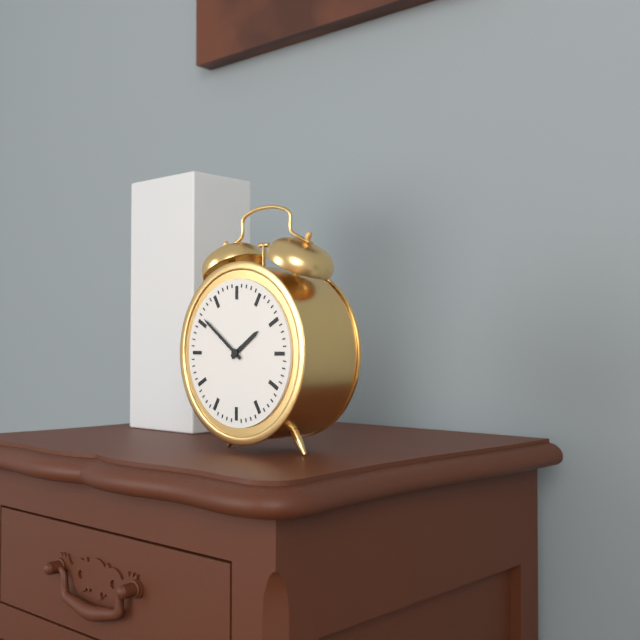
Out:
1,51
